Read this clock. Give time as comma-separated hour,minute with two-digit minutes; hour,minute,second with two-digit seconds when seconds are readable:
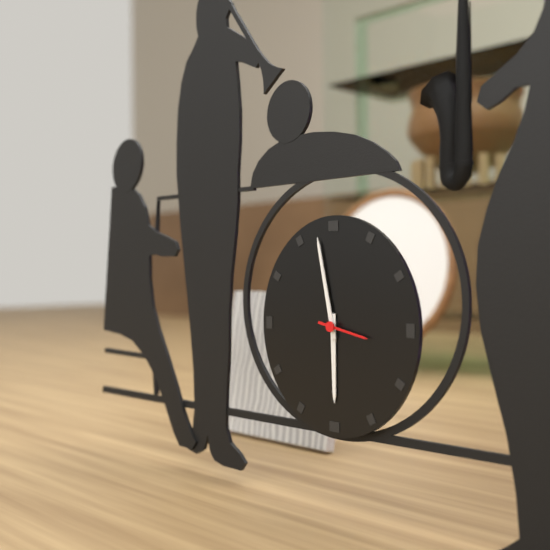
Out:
5,58
